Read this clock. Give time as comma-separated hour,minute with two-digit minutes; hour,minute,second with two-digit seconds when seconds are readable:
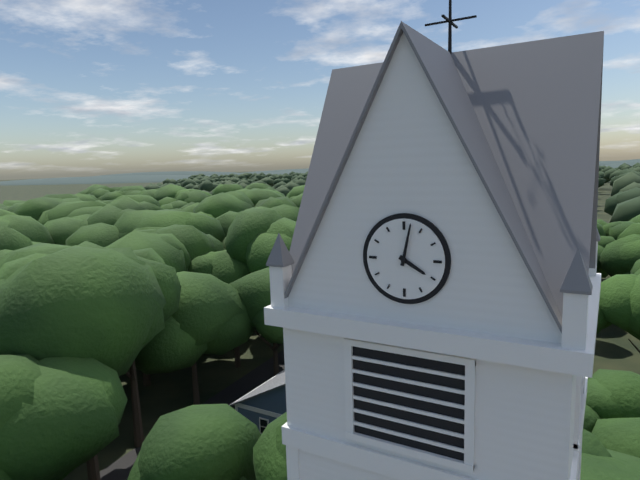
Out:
4,02
